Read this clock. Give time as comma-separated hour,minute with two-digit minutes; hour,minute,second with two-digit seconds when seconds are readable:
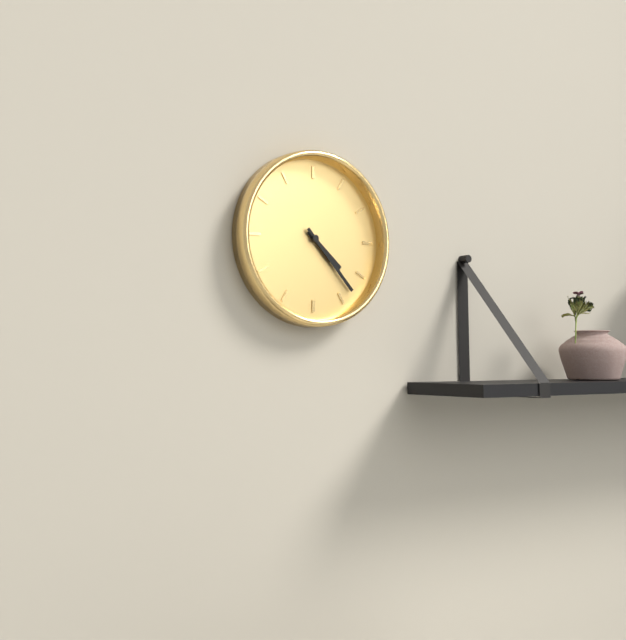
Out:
4,23
